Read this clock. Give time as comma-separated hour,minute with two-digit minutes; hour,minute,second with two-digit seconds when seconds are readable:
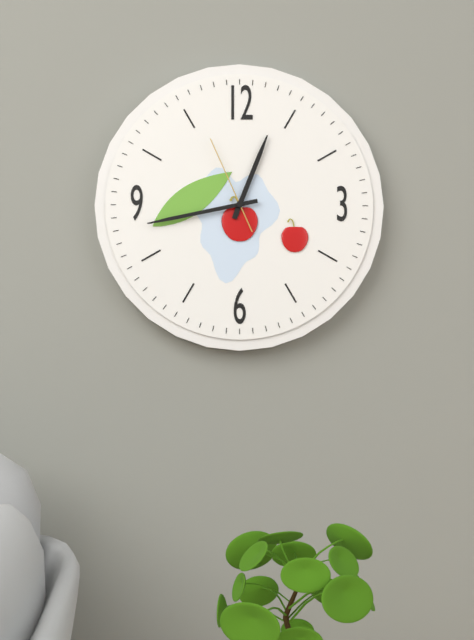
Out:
12,43,56
